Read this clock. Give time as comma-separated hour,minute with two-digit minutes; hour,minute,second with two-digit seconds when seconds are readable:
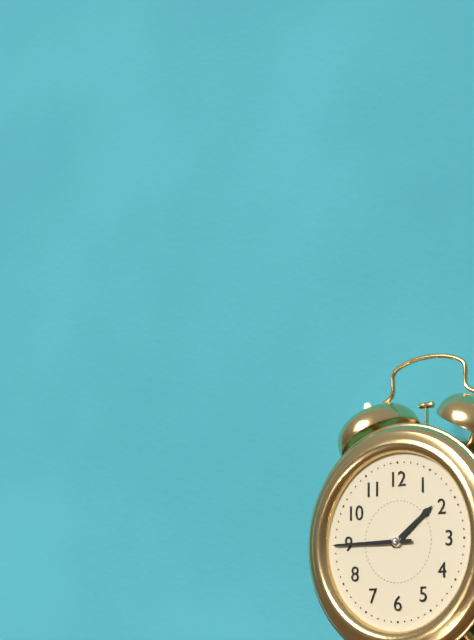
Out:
1,45
